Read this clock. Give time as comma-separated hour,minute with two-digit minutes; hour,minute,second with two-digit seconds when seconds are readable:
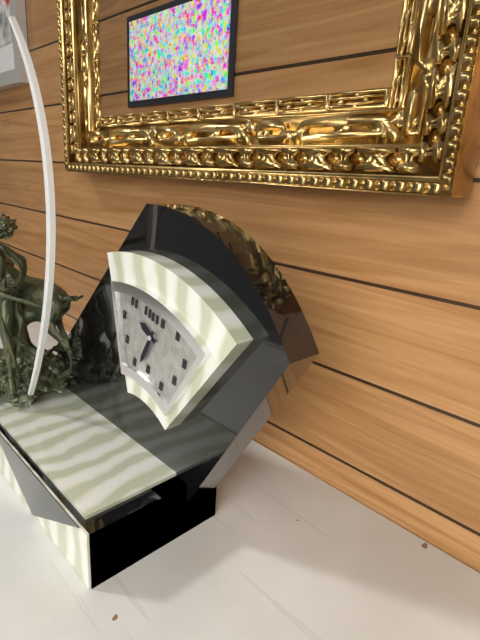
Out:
9,33
